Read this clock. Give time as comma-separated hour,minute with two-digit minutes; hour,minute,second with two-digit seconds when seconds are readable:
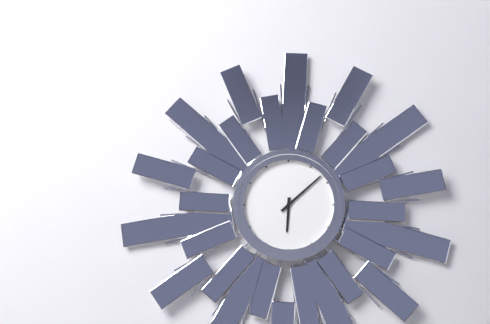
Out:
6,08
